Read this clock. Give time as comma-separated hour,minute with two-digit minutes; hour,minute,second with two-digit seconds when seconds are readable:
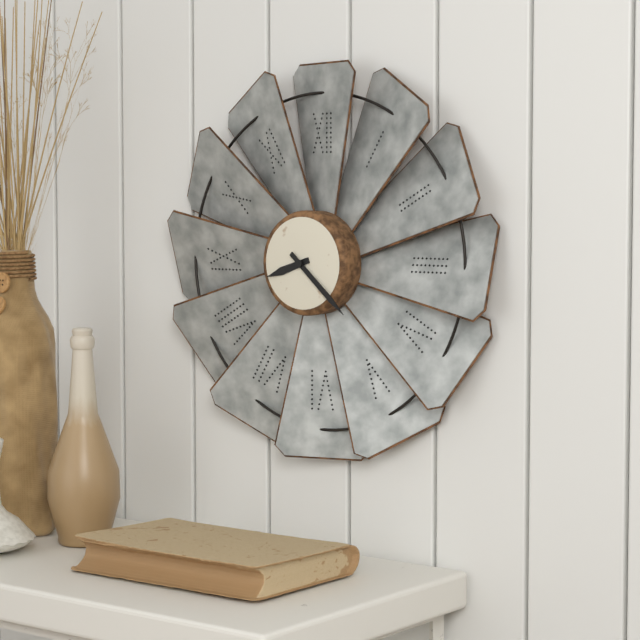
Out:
8,22
